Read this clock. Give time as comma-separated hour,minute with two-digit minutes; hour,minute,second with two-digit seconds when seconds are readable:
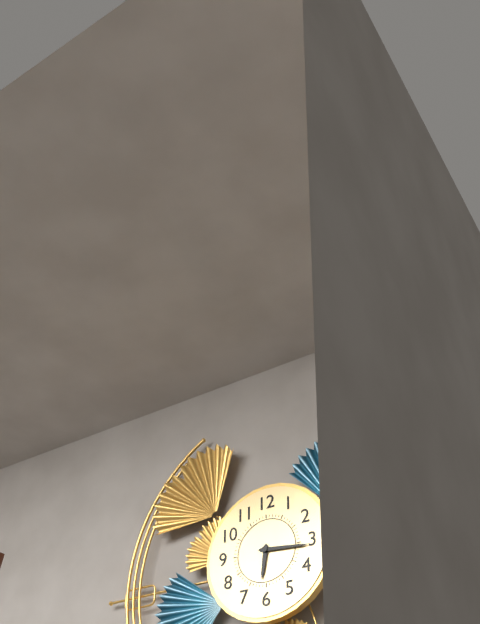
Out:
6,16
